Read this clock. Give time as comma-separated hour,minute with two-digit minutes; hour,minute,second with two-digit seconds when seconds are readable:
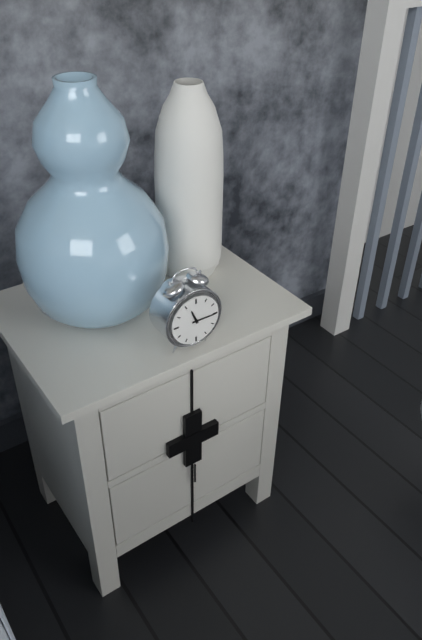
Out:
11,15
